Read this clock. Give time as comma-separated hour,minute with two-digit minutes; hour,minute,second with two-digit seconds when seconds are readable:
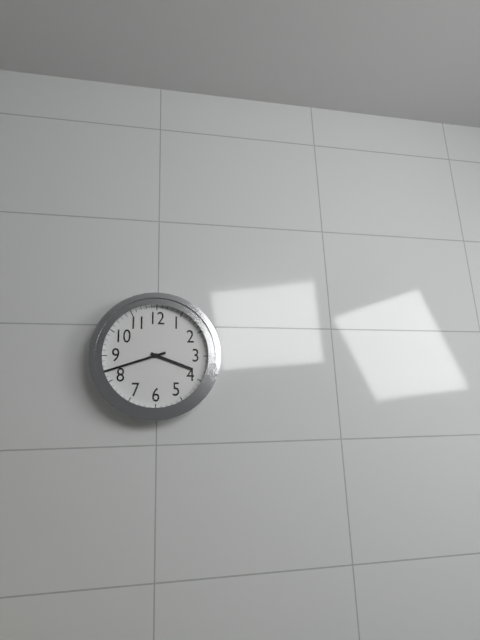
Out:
3,42
